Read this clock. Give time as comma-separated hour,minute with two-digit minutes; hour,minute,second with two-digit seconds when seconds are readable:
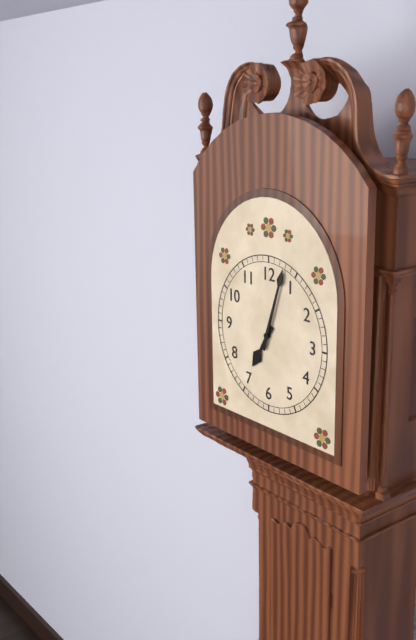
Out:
7,03
